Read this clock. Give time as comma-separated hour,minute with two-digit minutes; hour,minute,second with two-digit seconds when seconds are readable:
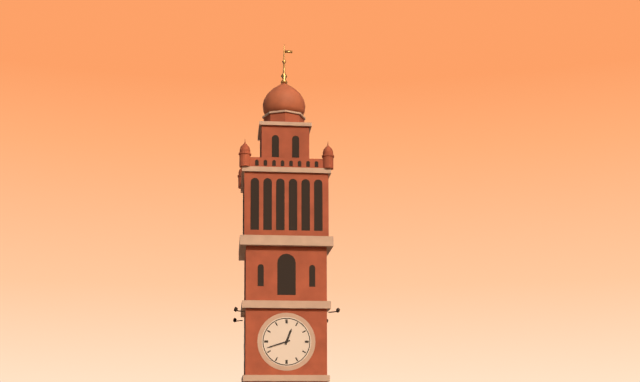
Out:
12,42
